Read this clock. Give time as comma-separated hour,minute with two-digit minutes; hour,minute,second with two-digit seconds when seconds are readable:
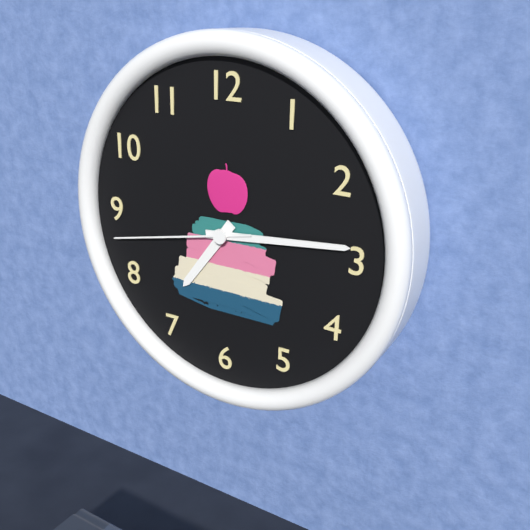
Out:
7,14,43
